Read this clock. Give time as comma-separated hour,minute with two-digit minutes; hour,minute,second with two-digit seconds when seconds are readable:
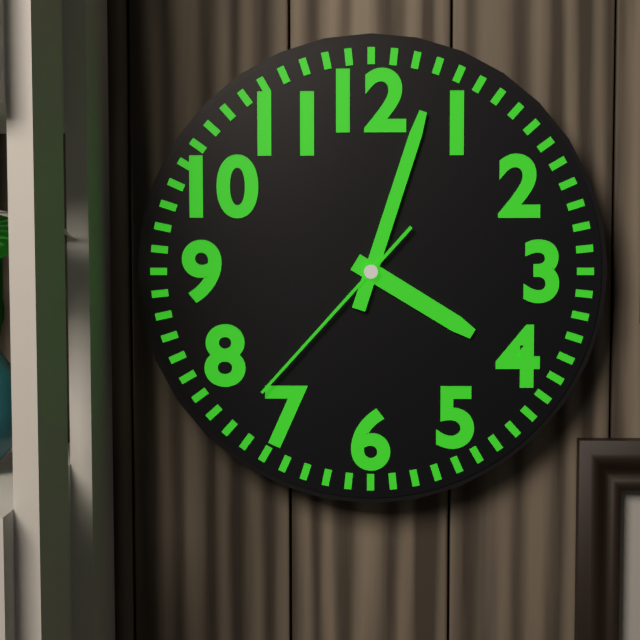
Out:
4,03,37
